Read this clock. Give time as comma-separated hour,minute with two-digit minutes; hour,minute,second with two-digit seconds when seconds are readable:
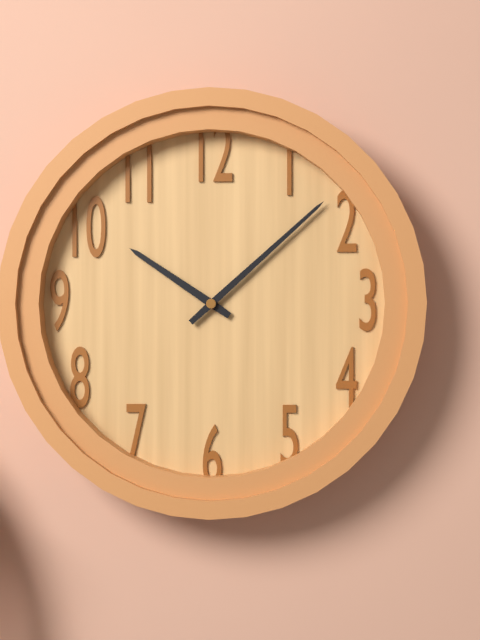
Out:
10,08
